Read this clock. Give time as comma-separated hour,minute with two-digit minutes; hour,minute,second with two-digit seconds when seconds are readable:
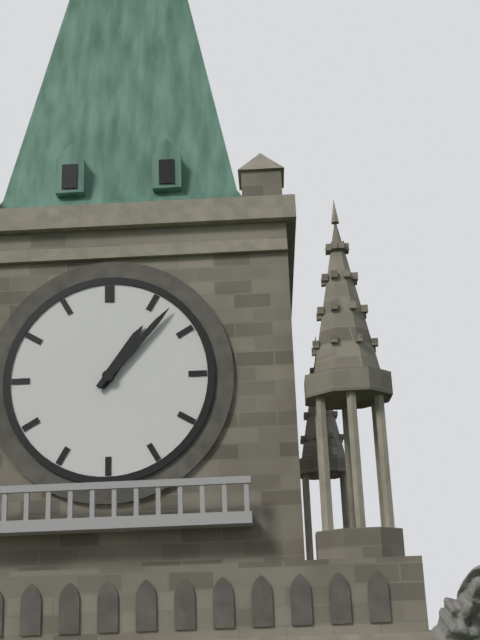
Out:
1,07
